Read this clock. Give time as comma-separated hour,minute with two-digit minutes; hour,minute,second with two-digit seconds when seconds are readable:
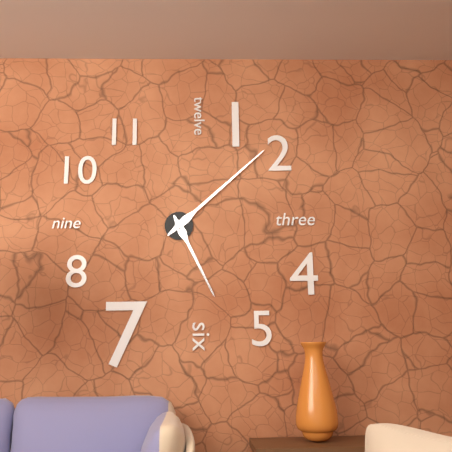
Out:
5,08
